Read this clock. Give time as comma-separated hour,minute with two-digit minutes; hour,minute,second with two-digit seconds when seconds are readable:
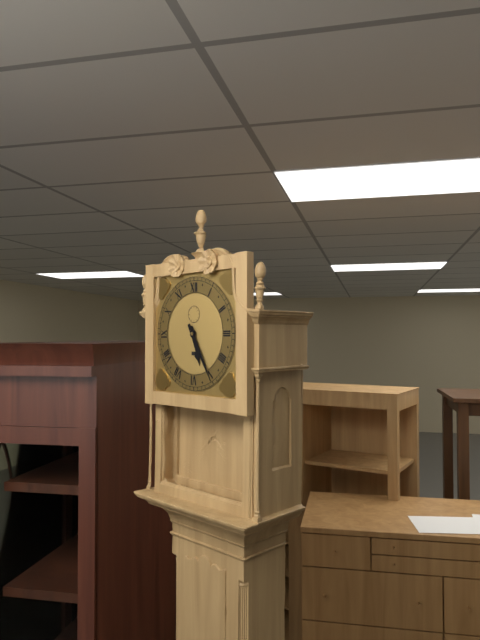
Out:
5,25
